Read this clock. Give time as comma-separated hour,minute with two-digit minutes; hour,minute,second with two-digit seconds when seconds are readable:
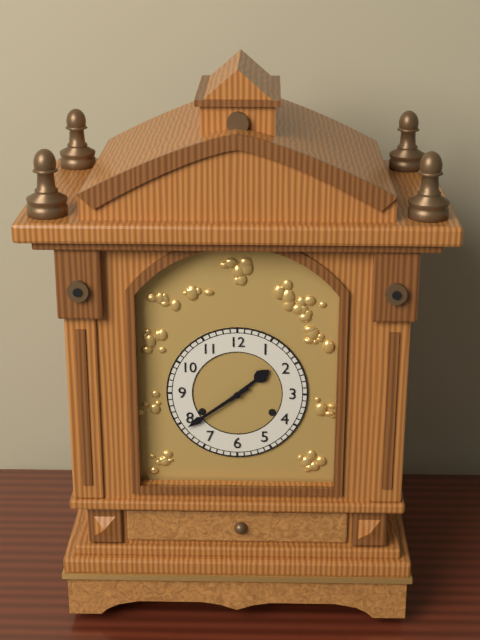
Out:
1,39
